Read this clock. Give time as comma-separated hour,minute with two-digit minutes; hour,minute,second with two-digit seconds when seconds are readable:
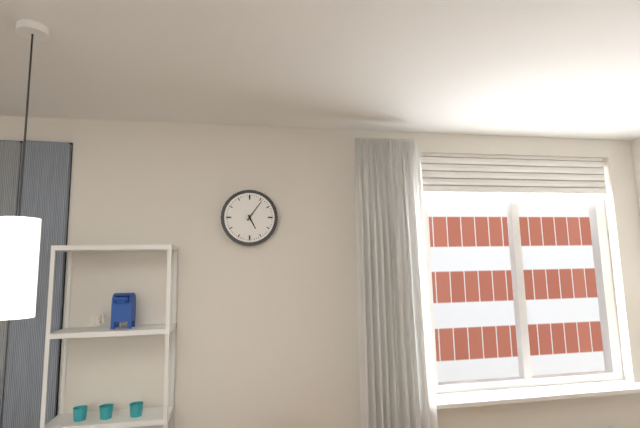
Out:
5,06
